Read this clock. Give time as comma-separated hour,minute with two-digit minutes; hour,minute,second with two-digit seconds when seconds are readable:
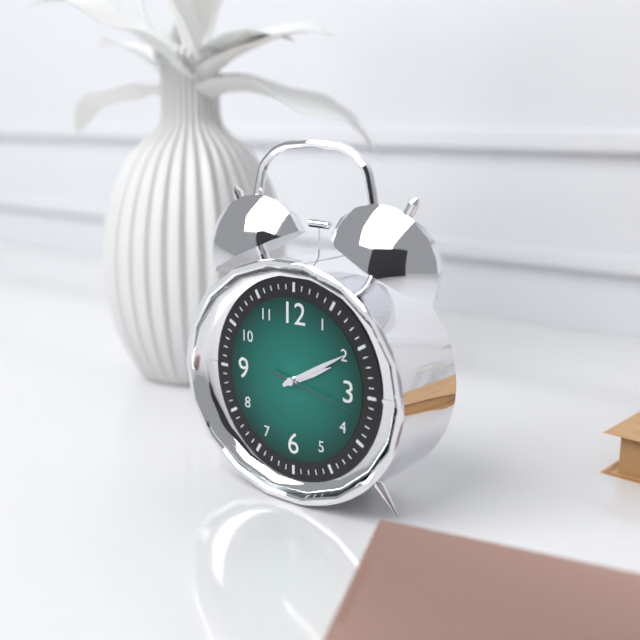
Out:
2,10,17
